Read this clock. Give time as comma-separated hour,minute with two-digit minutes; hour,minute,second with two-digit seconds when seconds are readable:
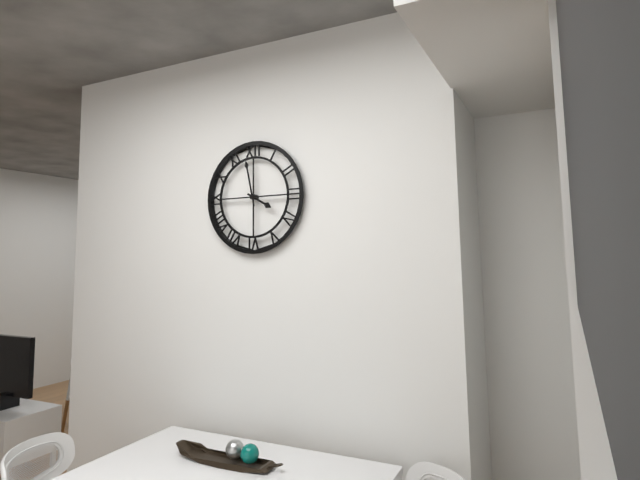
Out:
3,58
